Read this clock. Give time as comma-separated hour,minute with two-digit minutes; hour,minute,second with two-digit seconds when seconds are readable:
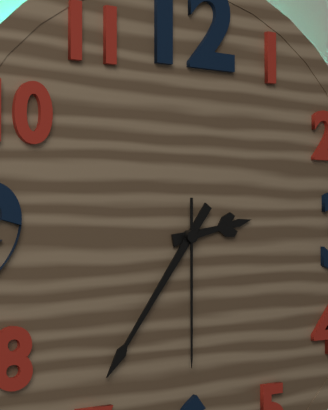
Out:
2,36,30
